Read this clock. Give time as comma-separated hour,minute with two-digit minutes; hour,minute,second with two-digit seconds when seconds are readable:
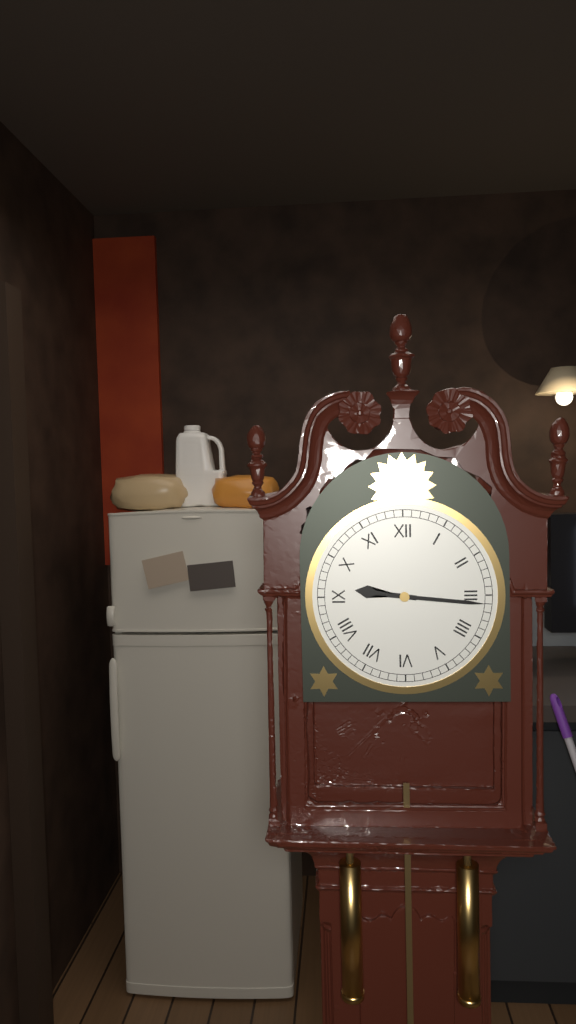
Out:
9,16
